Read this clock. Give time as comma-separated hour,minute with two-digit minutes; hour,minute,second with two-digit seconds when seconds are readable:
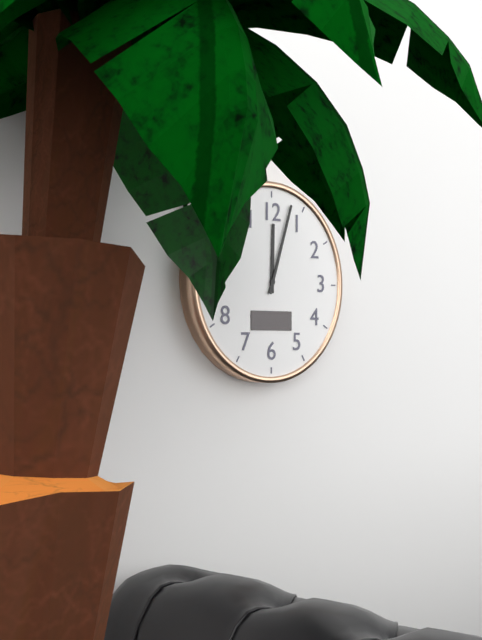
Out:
12,03
